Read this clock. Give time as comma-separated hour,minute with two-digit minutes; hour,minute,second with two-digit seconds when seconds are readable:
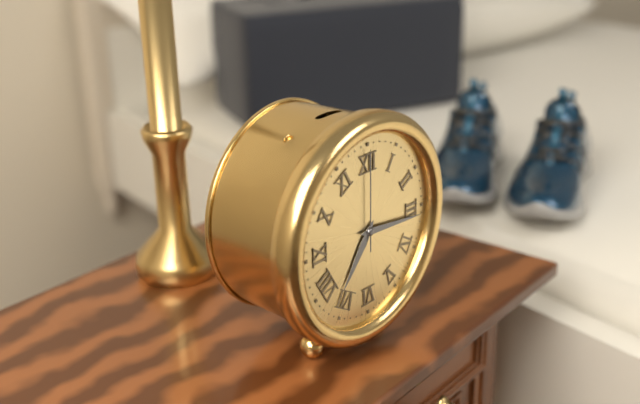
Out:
7,16,00
